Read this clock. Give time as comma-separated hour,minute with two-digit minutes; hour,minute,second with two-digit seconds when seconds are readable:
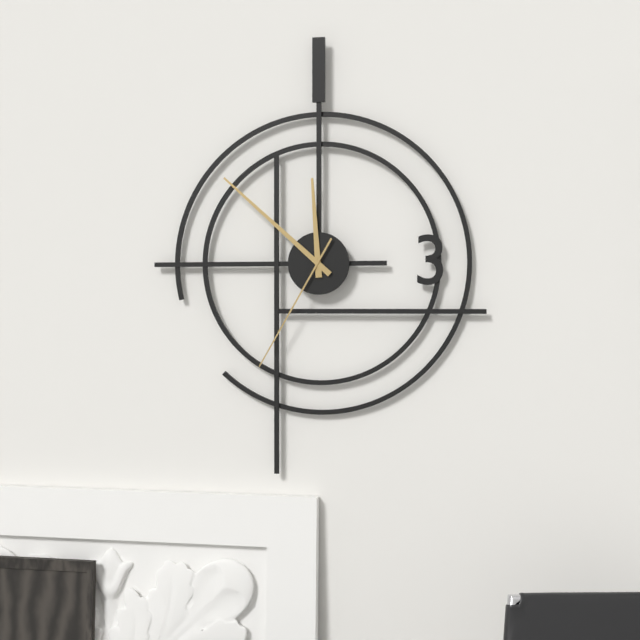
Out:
11,52,35
